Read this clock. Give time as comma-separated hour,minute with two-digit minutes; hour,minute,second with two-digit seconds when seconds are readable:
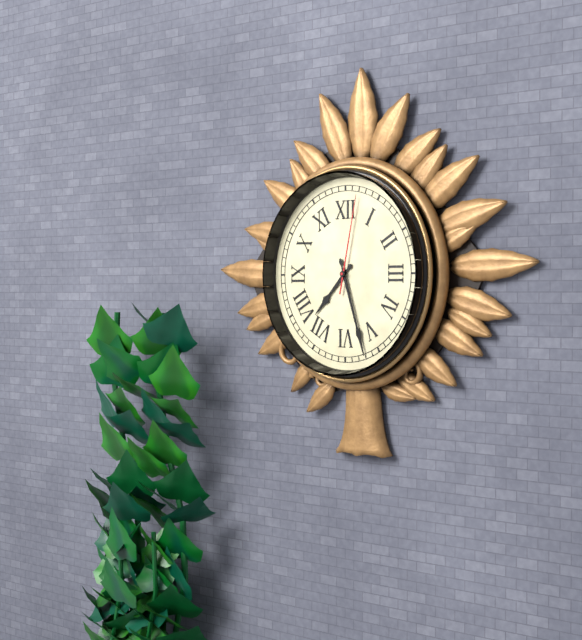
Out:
7,27,02
